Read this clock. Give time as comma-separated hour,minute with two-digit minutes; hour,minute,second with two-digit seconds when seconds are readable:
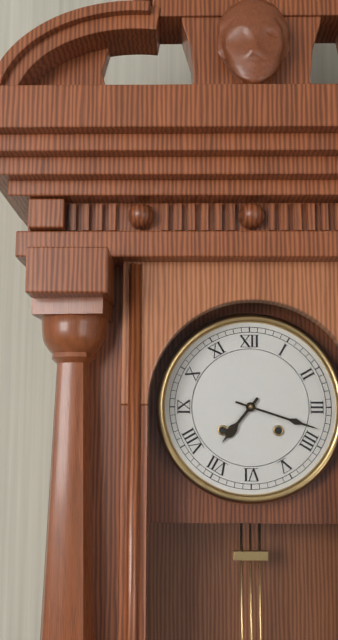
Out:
7,18
